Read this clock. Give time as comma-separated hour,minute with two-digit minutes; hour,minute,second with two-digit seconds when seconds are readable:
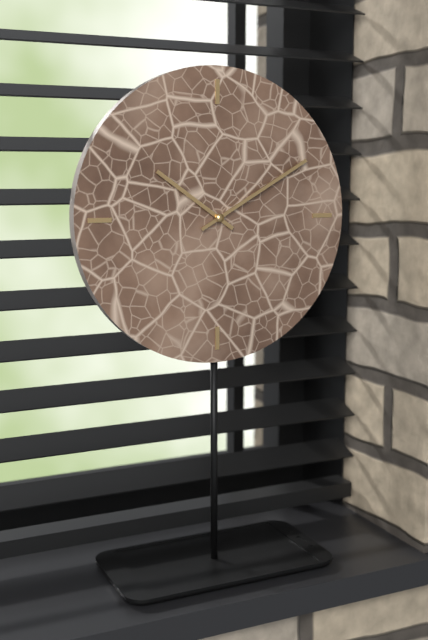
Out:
10,10
